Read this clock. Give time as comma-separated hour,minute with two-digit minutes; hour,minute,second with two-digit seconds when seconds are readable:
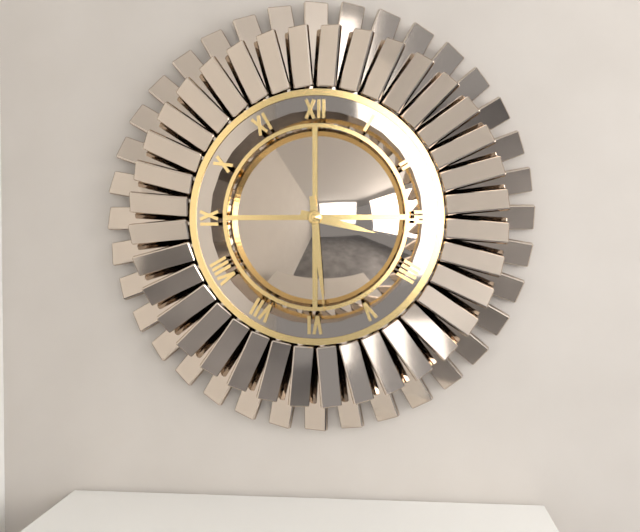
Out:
3,29
